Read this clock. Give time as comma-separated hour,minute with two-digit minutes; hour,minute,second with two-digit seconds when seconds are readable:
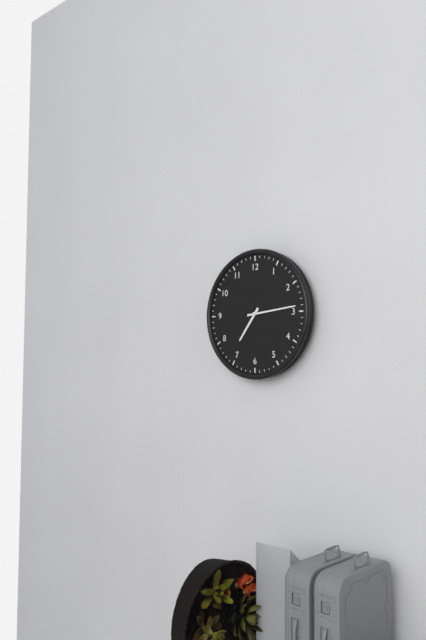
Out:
7,14
